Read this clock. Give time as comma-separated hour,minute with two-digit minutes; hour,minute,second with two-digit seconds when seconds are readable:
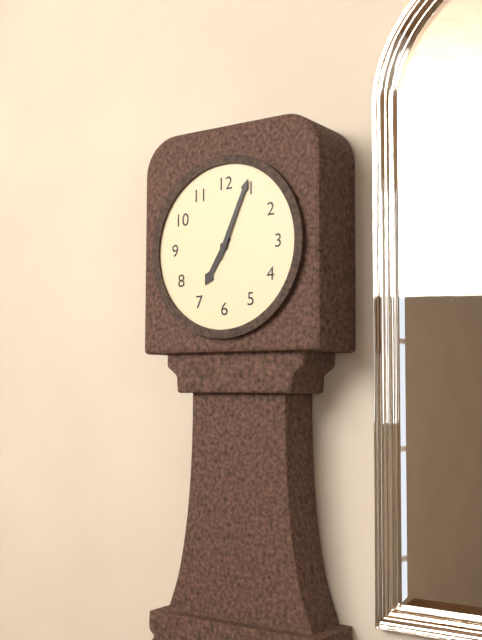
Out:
7,04
